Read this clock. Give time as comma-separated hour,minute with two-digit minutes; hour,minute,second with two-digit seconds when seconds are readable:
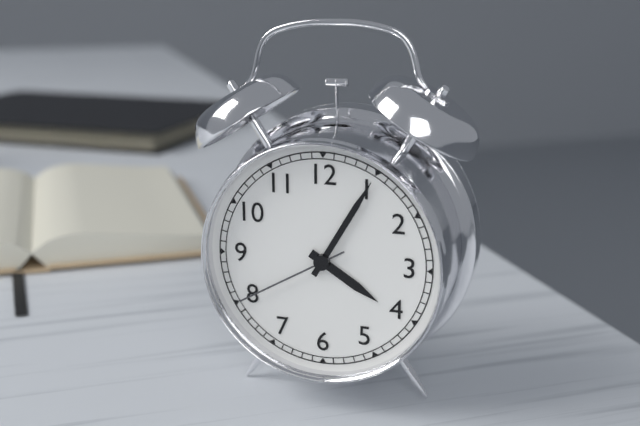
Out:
4,05,40
